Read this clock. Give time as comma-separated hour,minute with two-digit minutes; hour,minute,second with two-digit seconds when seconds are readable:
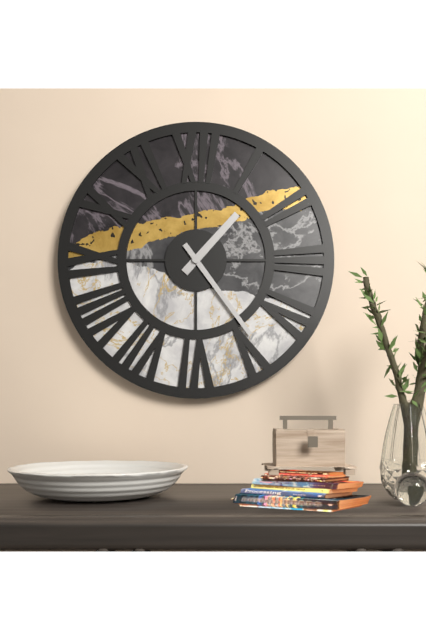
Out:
1,24
